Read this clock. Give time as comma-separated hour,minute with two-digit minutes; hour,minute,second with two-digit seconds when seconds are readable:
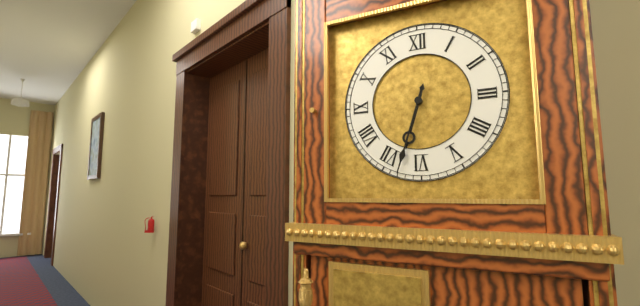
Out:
6,33
